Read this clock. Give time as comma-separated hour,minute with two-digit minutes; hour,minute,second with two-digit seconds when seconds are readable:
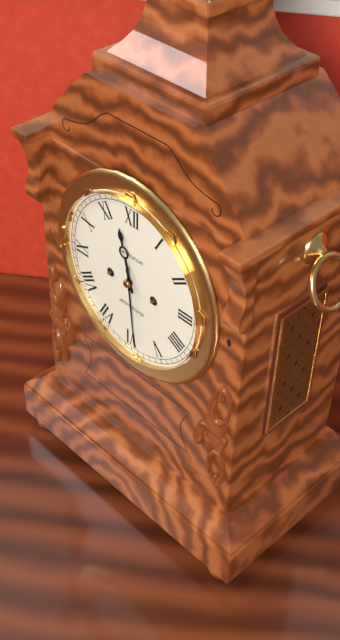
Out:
11,29
